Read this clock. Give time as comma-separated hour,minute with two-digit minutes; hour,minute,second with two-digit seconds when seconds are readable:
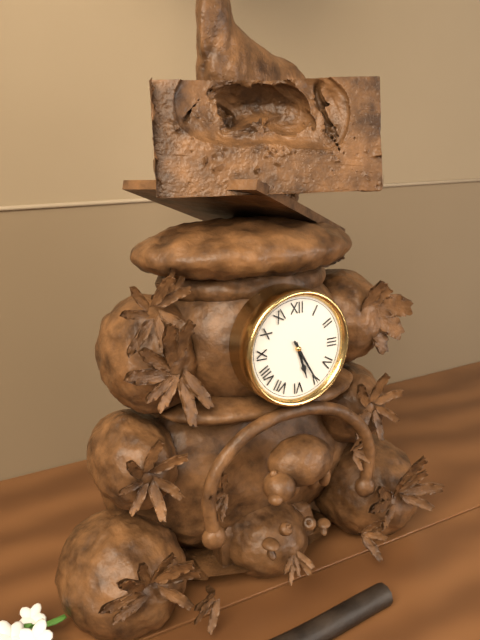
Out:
5,25
